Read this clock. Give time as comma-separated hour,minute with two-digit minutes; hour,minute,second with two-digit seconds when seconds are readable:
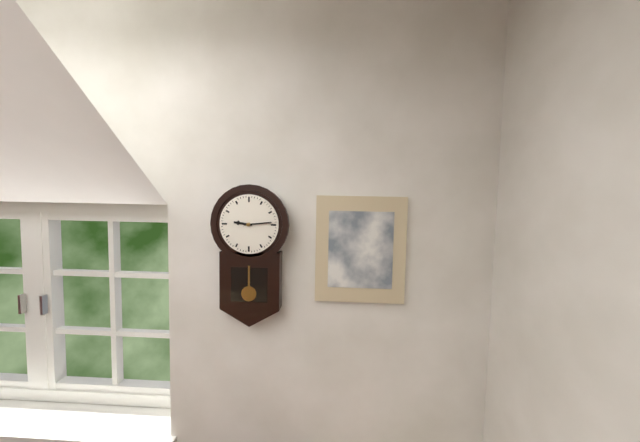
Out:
9,14
